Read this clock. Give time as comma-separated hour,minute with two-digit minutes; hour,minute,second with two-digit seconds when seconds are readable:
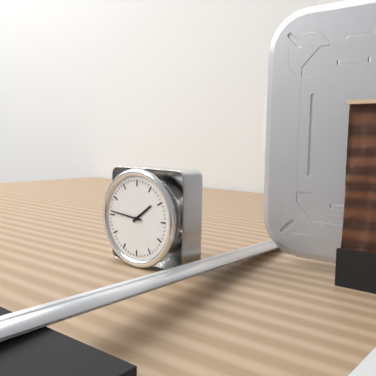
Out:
1,46
